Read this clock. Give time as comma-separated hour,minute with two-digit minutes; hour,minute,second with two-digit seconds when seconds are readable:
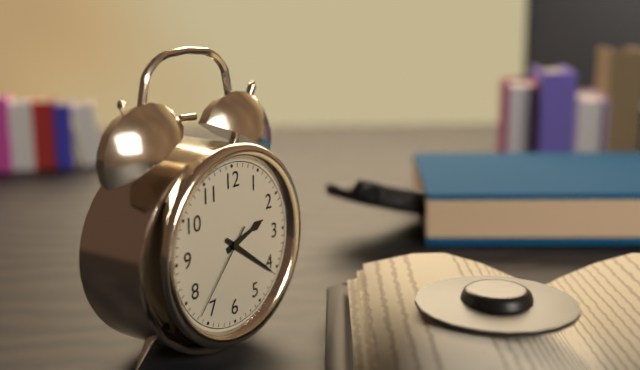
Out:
2,21,37
